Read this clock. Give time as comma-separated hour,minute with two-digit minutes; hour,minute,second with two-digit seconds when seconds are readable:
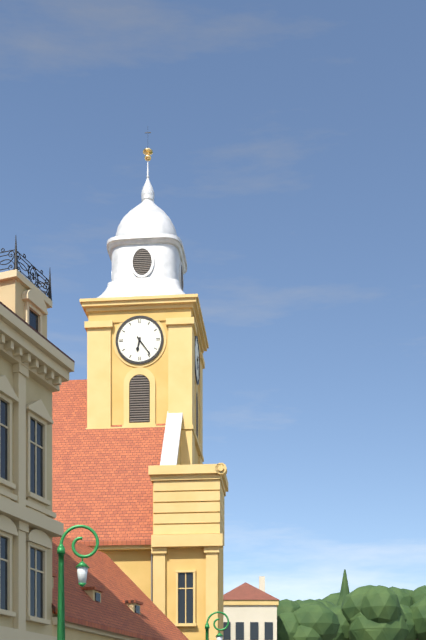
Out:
6,24
